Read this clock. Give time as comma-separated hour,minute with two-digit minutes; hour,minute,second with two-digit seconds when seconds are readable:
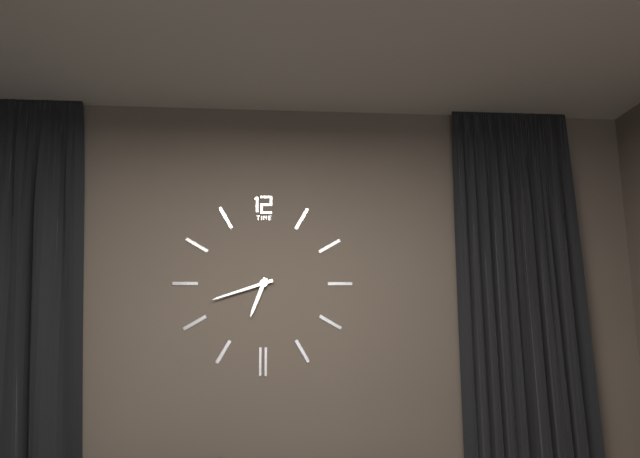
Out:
6,42
